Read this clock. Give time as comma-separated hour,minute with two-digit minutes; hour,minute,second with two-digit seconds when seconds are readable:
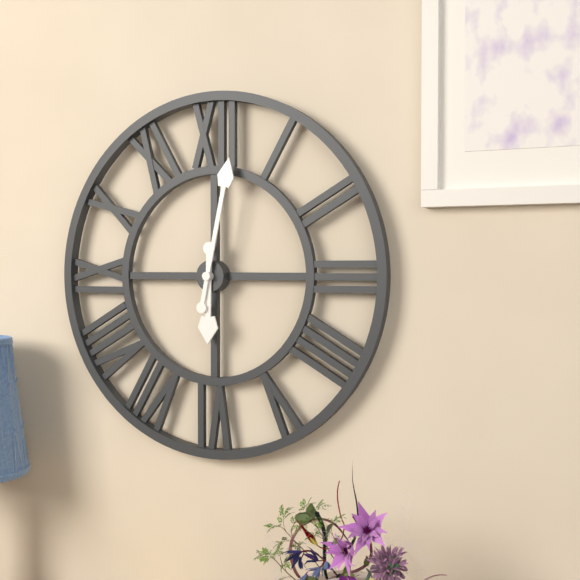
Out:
6,02
